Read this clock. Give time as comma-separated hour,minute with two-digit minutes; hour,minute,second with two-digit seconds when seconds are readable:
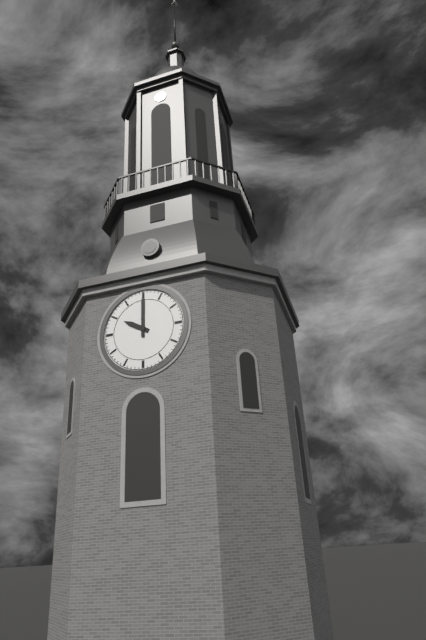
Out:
10,00
